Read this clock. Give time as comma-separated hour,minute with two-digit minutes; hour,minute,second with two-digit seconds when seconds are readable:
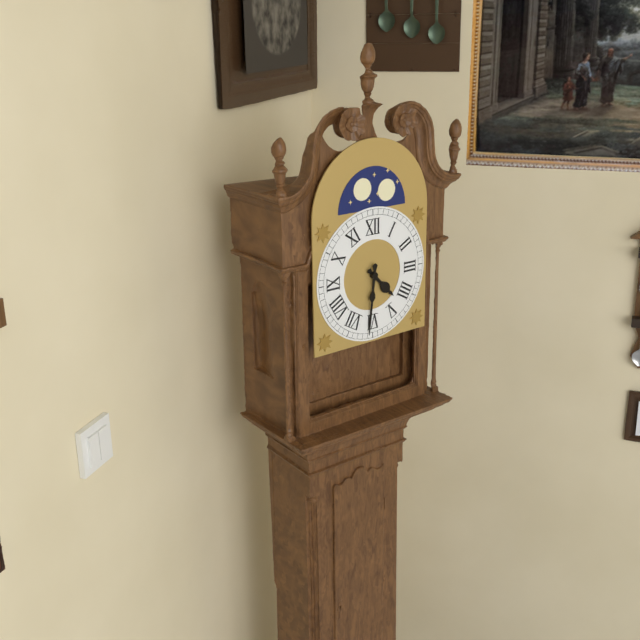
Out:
4,31
